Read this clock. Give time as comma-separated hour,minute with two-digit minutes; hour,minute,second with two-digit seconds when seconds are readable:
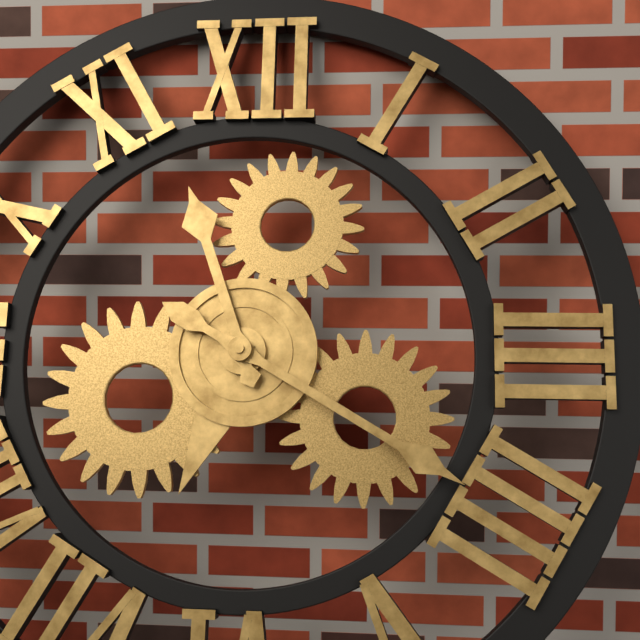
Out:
11,20
